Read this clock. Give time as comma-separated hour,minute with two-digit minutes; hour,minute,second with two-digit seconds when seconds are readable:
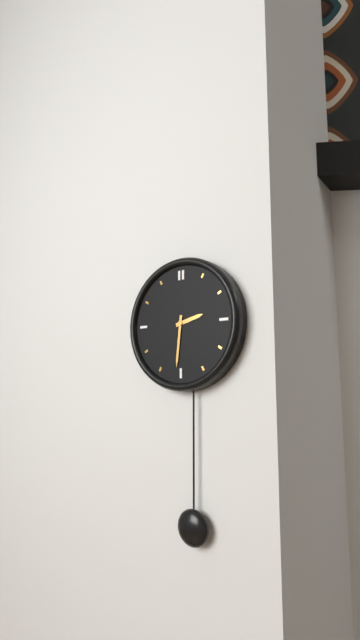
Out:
2,31
